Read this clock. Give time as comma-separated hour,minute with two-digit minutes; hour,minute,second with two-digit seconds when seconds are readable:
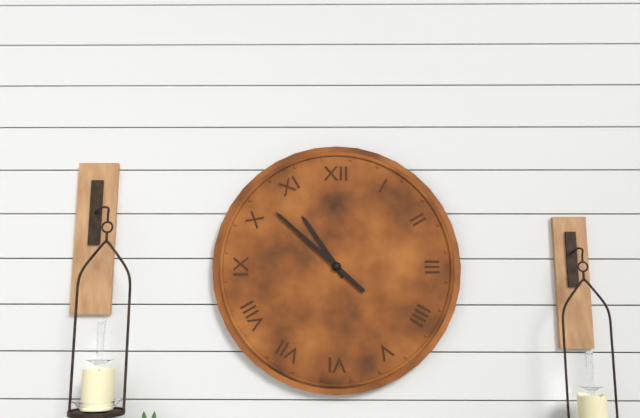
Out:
10,52
